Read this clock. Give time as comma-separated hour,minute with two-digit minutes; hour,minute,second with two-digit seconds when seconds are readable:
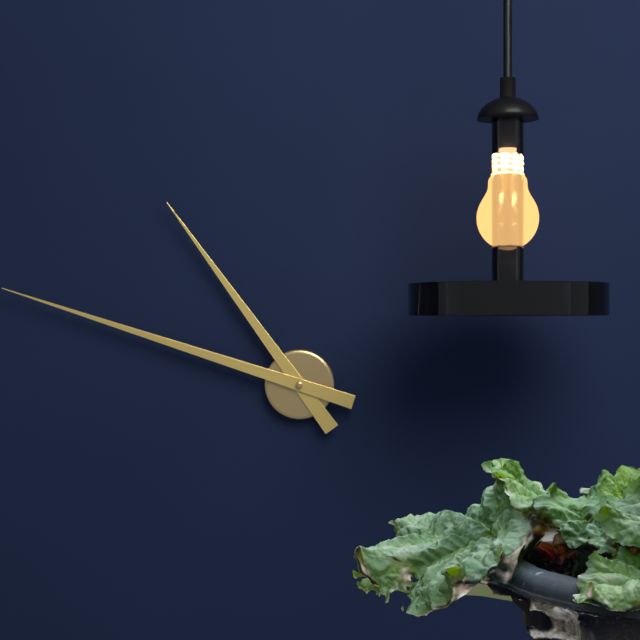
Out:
10,48
